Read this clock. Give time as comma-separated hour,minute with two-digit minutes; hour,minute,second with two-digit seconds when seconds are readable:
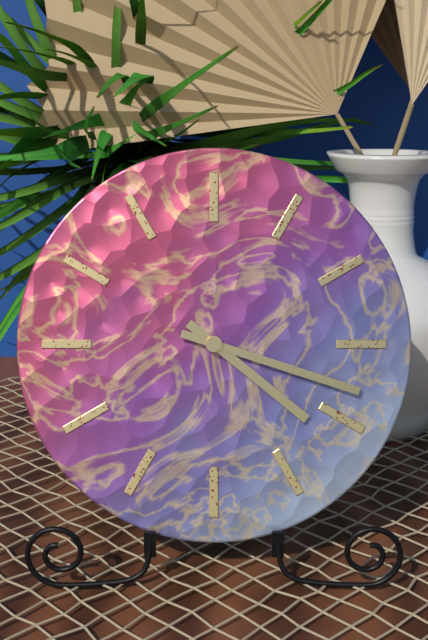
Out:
4,18
